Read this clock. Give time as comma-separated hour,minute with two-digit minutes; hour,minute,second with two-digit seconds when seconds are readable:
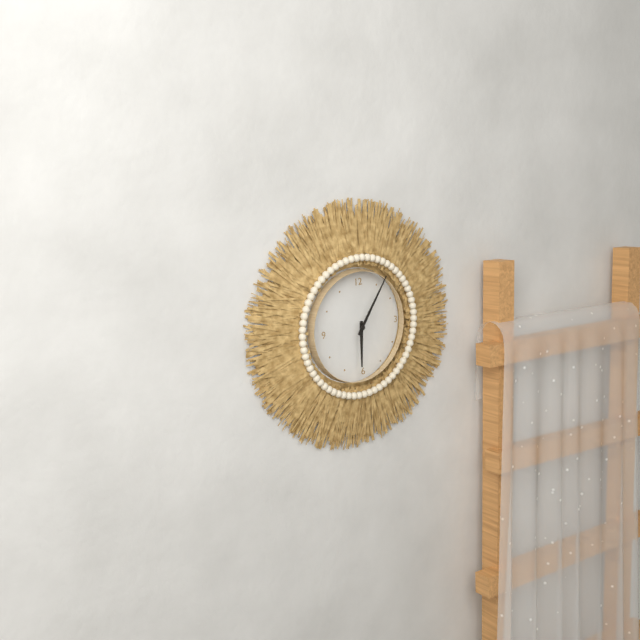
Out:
6,06
